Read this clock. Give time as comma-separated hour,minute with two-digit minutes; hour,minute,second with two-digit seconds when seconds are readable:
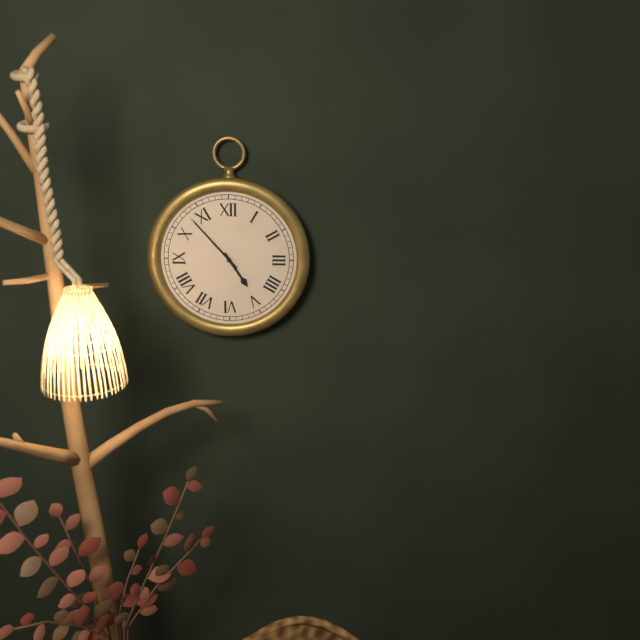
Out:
4,53
